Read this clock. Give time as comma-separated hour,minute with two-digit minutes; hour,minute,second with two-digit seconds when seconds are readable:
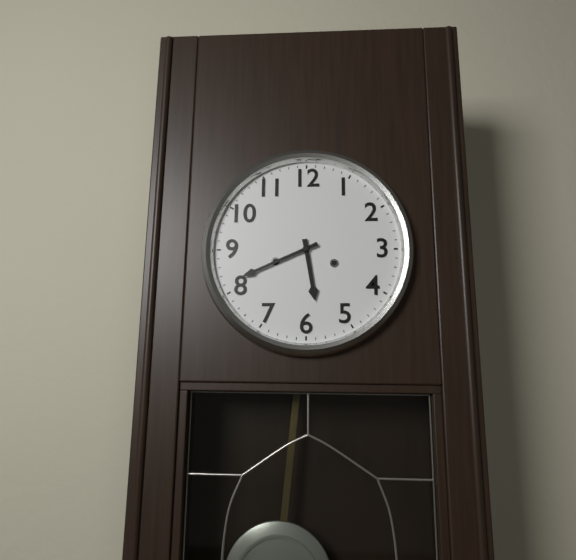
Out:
5,41
